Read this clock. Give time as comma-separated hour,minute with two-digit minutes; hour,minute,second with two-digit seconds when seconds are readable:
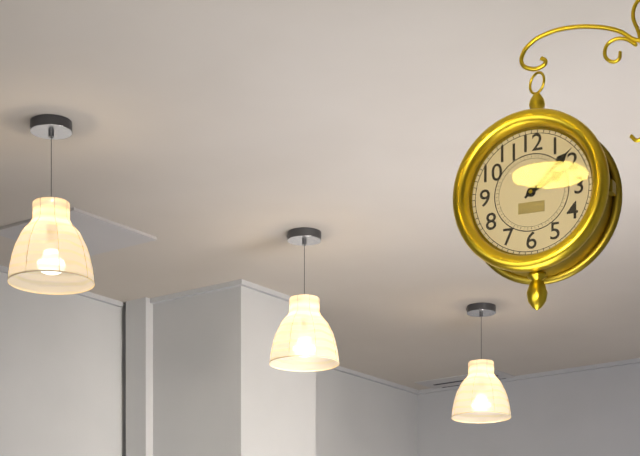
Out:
2,08
